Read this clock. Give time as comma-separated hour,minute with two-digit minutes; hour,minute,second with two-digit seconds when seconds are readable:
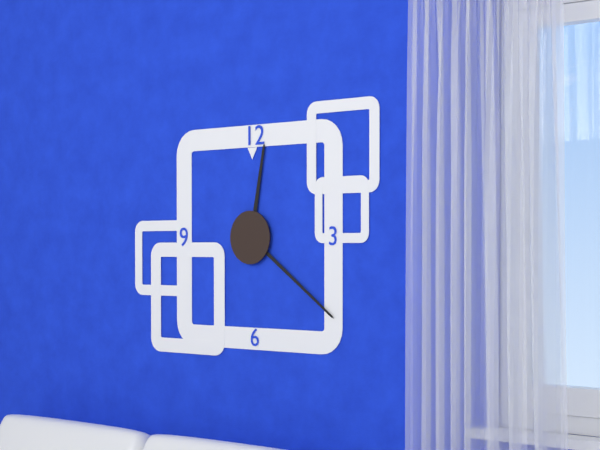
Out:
12,21
